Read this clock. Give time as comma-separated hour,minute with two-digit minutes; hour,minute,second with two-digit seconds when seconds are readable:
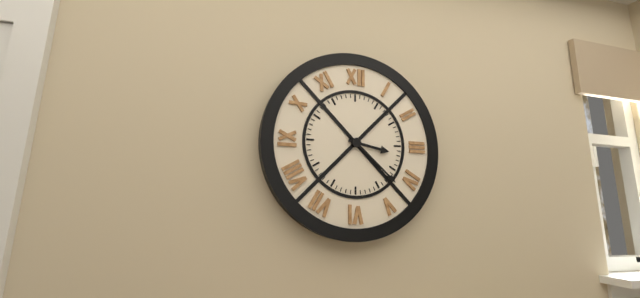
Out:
3,22
